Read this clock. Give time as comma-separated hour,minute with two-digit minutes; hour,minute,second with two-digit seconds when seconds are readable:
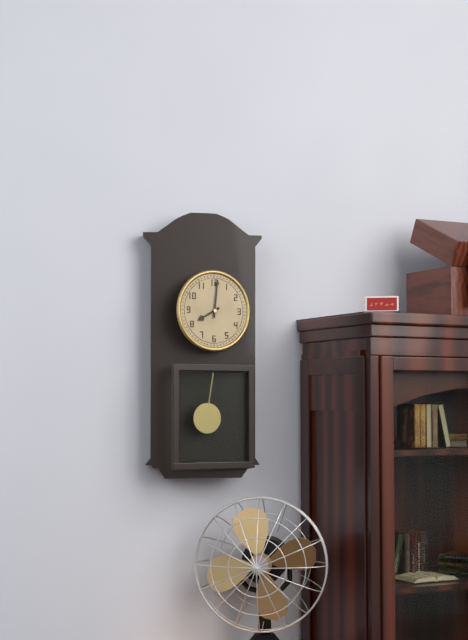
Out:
8,01
